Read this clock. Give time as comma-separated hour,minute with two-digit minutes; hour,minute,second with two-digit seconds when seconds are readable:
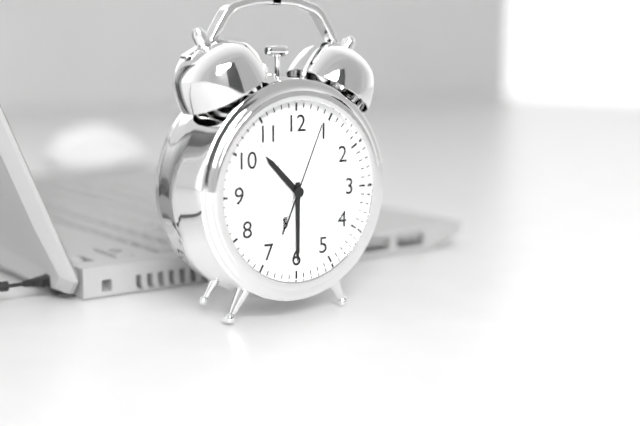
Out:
10,30,04
